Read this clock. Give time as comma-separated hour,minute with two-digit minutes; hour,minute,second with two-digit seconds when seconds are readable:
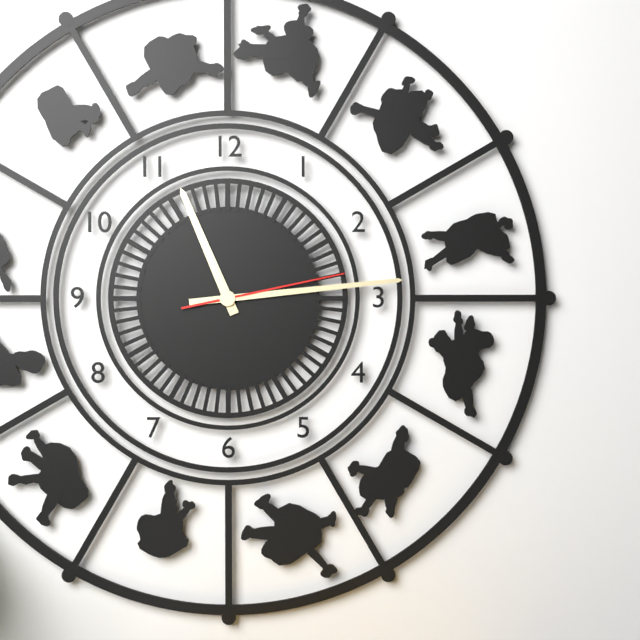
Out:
11,14,13
